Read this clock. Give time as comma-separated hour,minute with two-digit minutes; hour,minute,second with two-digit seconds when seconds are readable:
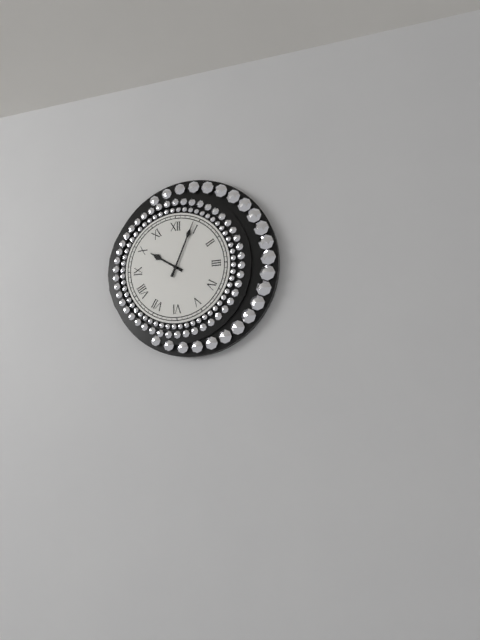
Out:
10,04
